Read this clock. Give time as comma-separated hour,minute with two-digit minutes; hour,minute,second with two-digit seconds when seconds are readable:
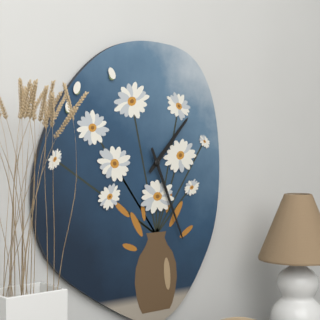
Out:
1,26
